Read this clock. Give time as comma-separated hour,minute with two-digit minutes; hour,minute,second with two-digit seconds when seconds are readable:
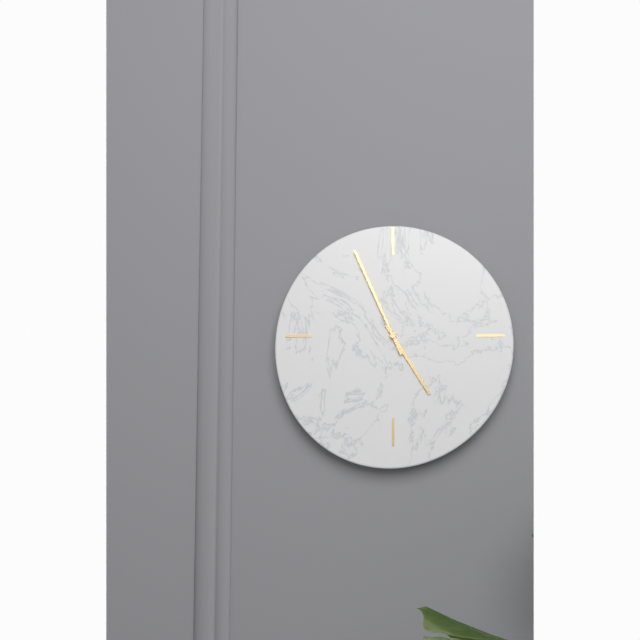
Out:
4,56
